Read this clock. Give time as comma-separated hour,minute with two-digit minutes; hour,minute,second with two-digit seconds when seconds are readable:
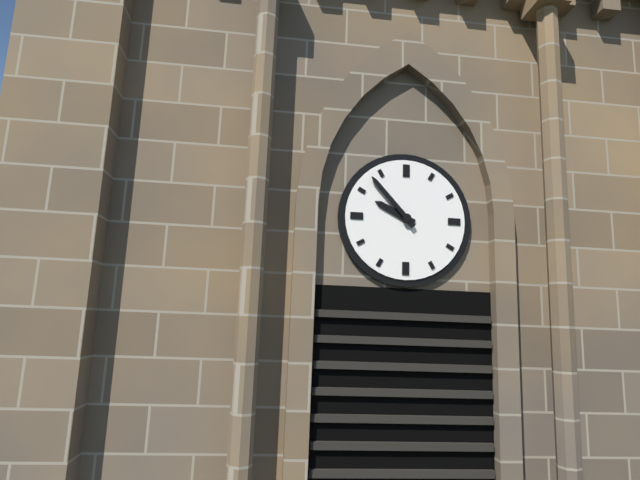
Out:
9,53
